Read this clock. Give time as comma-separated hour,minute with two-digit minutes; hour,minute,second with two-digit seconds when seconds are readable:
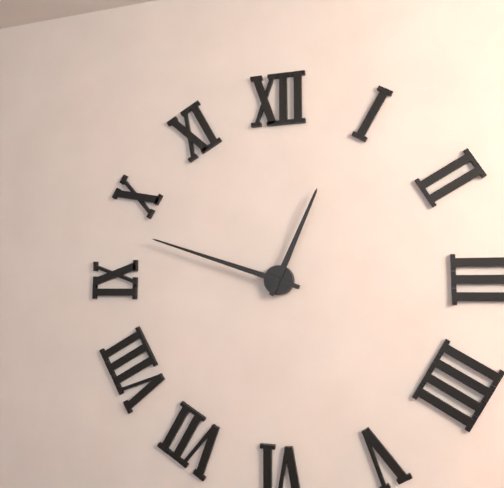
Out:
12,48
